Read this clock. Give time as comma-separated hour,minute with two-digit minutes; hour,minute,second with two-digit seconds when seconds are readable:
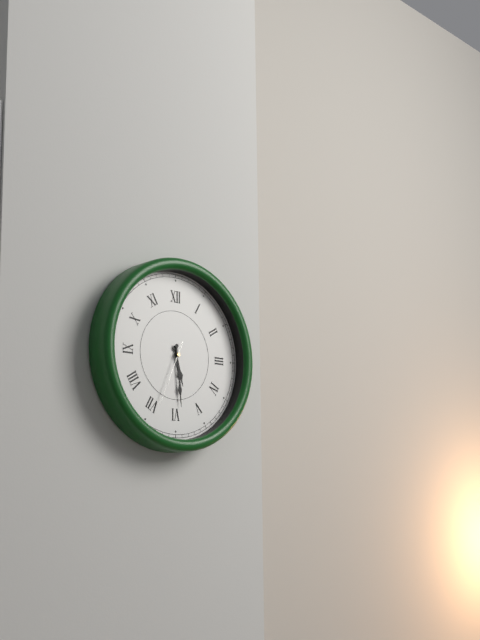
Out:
5,29,34
